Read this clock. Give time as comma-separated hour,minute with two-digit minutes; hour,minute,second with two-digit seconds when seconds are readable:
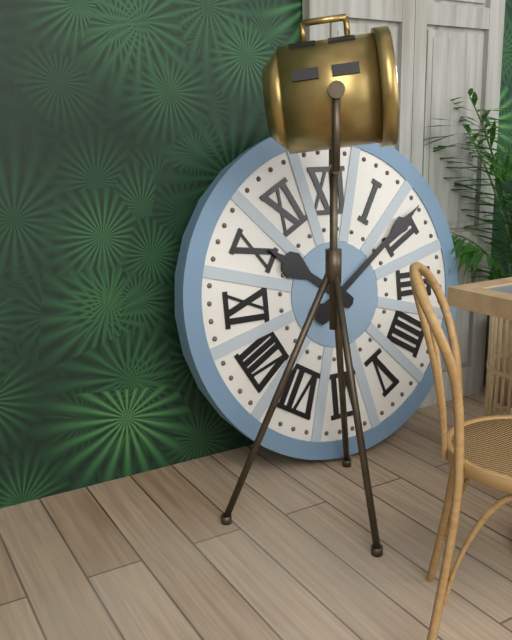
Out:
10,09
